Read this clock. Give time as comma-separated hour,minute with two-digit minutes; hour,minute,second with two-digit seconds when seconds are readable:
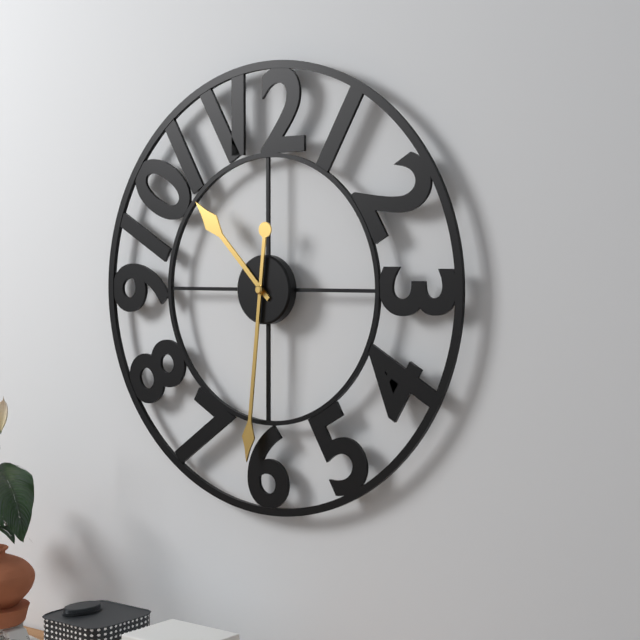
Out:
10,31
